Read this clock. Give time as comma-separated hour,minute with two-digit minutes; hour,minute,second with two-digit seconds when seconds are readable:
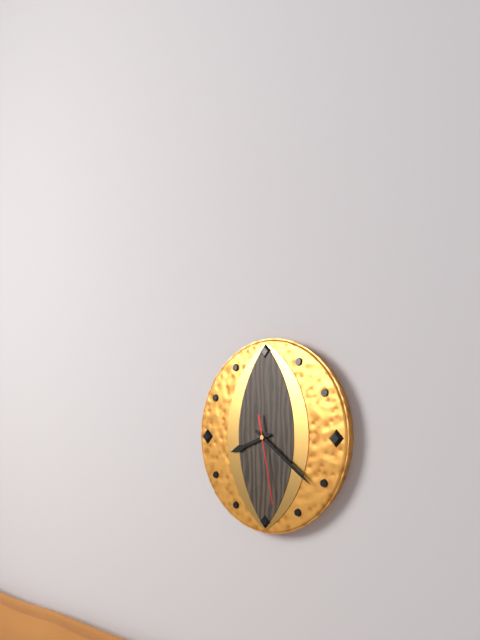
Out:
8,21,28
